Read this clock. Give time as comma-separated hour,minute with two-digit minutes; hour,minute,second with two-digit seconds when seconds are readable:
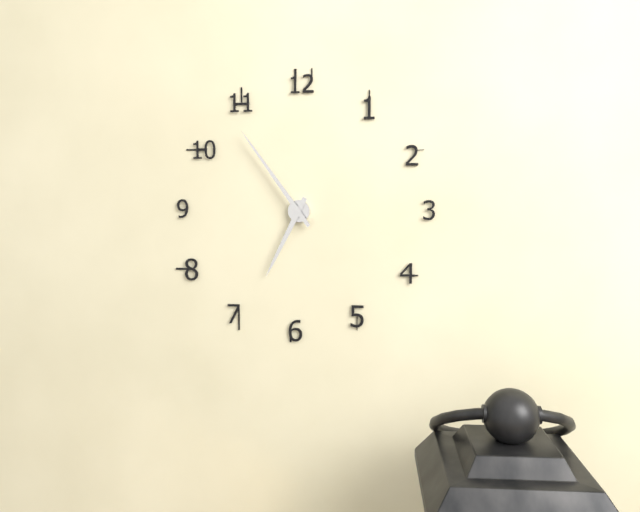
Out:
6,54
